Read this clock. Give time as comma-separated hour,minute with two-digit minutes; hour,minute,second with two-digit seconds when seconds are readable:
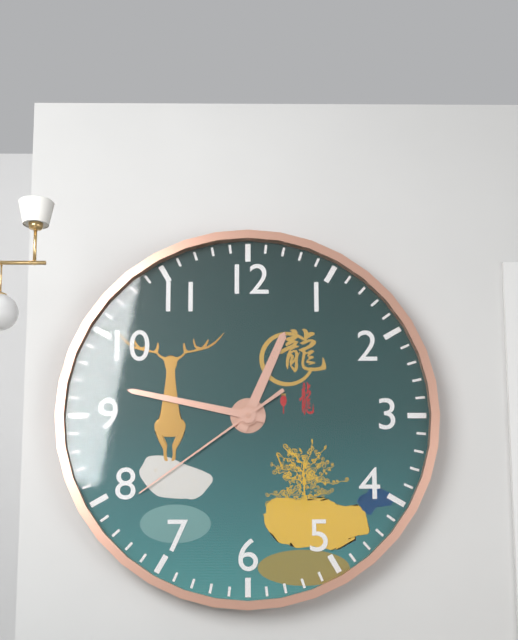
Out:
12,47,39
